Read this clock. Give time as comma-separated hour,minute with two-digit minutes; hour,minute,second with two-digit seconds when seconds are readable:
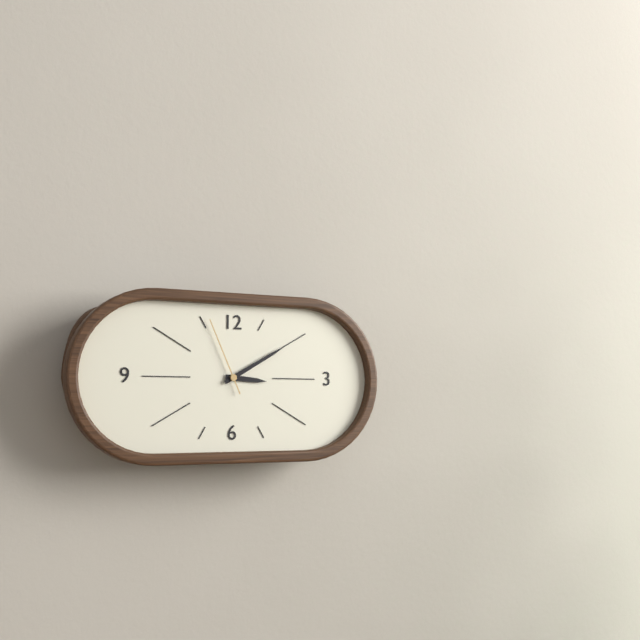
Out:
3,10,56
